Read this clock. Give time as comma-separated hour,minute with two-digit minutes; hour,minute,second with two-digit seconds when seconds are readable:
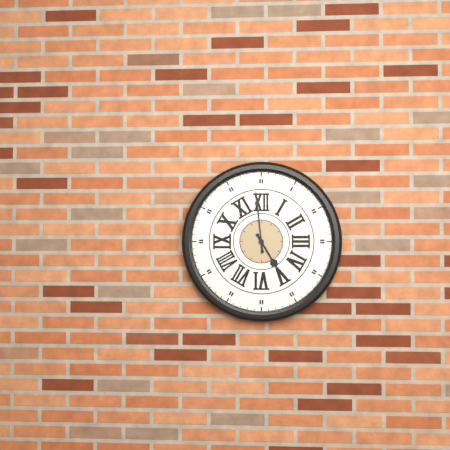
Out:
4,59
